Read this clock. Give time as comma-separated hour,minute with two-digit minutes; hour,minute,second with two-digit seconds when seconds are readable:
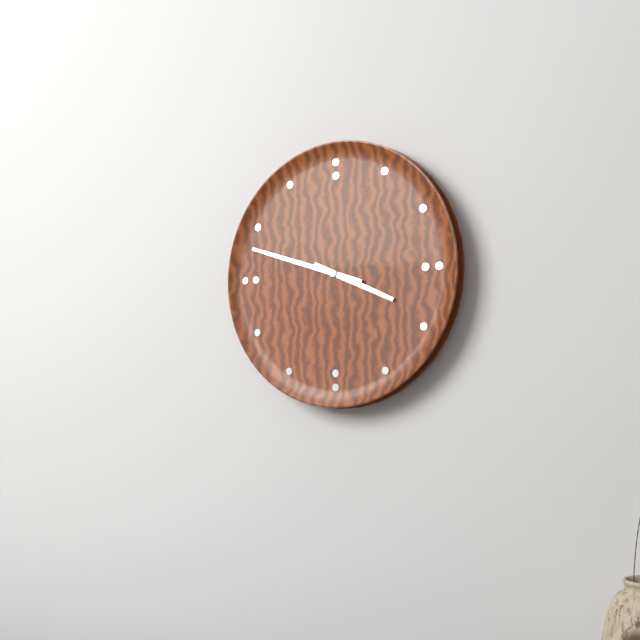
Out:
3,48
